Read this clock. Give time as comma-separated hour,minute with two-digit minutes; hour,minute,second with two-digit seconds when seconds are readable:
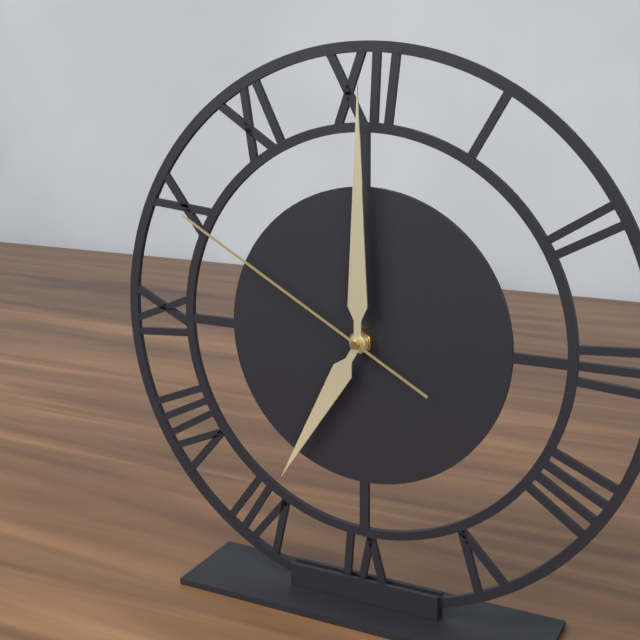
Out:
7,00,50
